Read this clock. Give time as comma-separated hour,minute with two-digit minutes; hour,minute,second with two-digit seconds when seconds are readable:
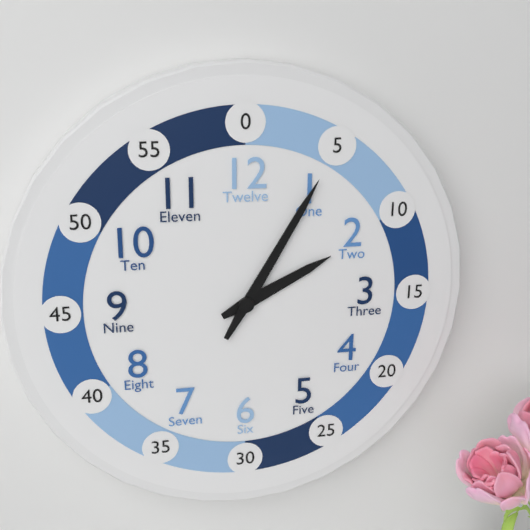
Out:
2,05
